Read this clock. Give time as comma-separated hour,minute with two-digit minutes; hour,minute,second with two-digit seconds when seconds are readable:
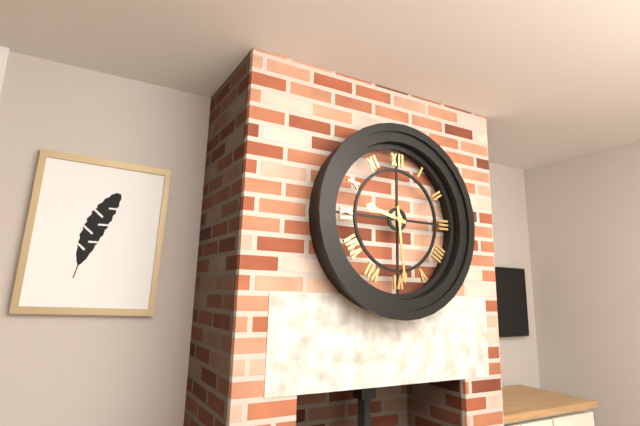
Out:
9,29
